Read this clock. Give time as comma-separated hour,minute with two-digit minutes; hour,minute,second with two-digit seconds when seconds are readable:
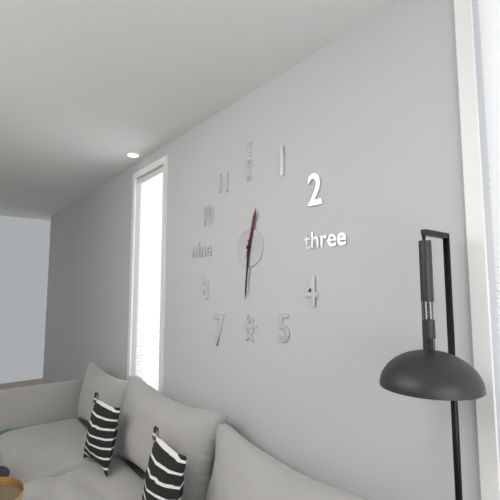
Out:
12,31
